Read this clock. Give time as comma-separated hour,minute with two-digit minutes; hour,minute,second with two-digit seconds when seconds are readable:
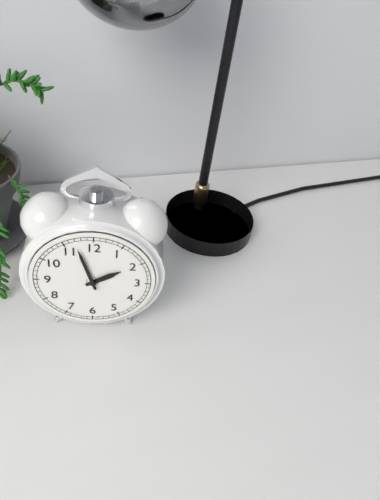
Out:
1,57
